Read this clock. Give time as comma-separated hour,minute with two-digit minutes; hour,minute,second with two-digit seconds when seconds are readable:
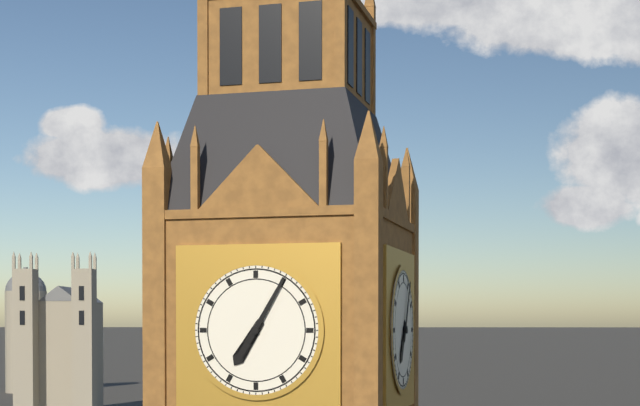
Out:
7,05
